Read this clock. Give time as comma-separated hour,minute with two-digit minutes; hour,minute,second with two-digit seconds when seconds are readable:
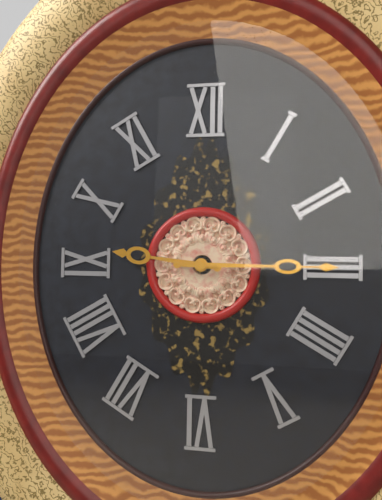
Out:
9,15
